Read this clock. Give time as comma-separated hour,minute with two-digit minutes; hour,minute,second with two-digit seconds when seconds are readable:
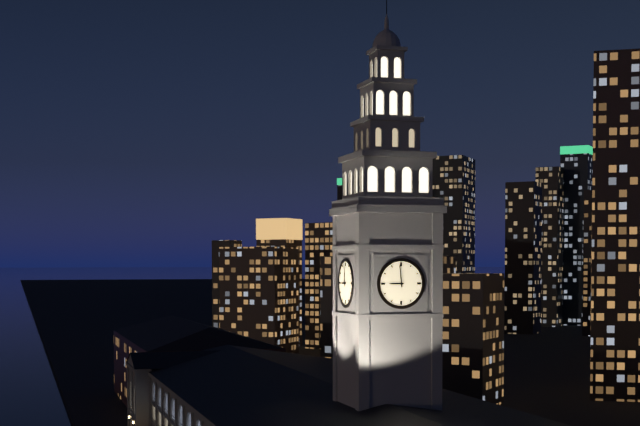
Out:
8,59
